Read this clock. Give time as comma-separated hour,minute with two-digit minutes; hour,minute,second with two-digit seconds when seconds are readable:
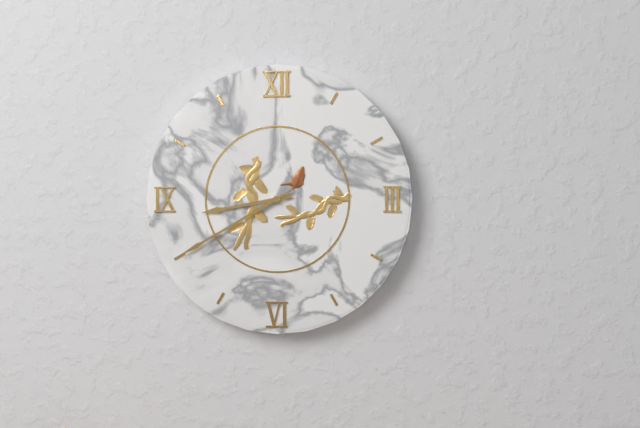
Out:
8,40
